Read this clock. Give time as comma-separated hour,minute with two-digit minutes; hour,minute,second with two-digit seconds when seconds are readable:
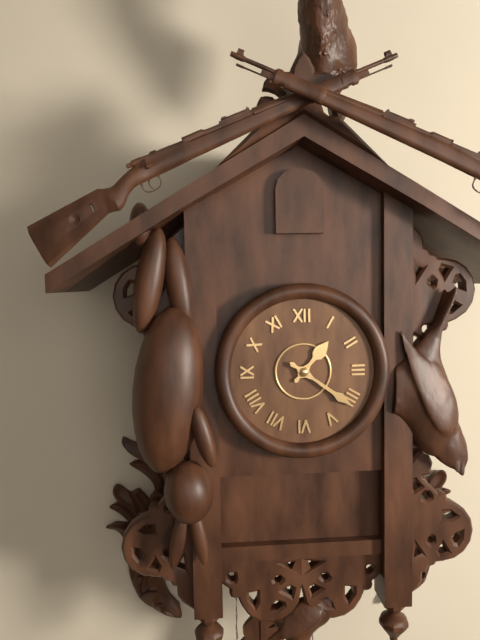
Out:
1,21
